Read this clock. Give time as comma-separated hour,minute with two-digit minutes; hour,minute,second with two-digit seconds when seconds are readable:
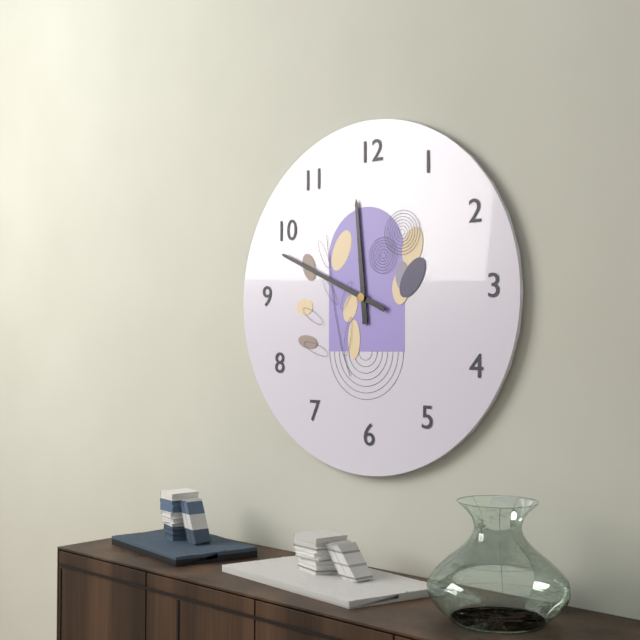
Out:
11,49
